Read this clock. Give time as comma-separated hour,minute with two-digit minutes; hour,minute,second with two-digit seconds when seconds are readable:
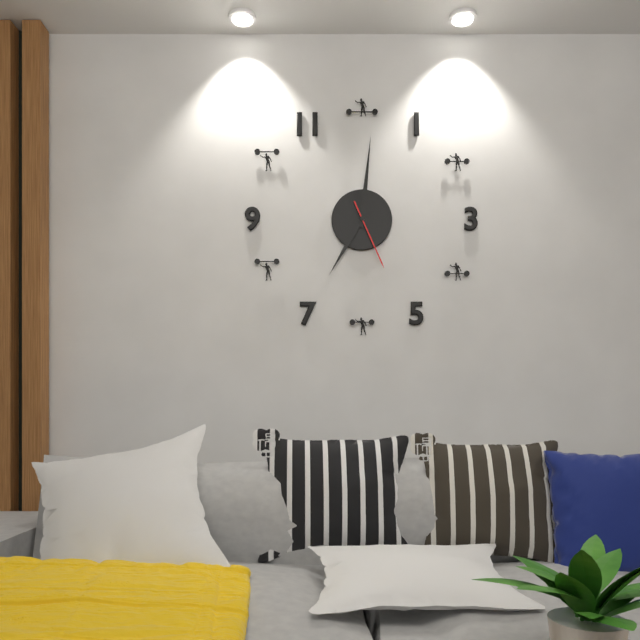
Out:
7,01,26
